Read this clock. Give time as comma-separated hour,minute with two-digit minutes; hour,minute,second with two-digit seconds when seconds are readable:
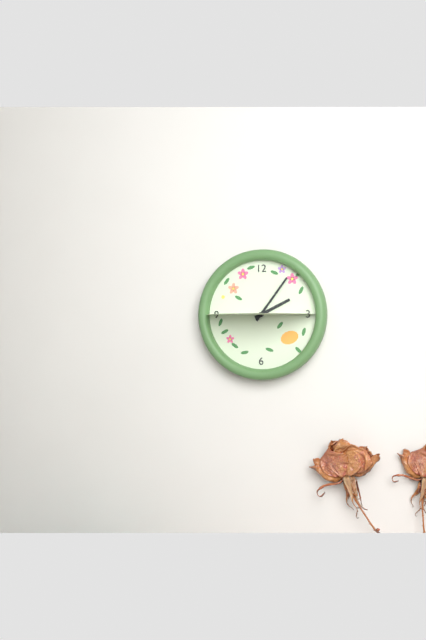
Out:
2,06
